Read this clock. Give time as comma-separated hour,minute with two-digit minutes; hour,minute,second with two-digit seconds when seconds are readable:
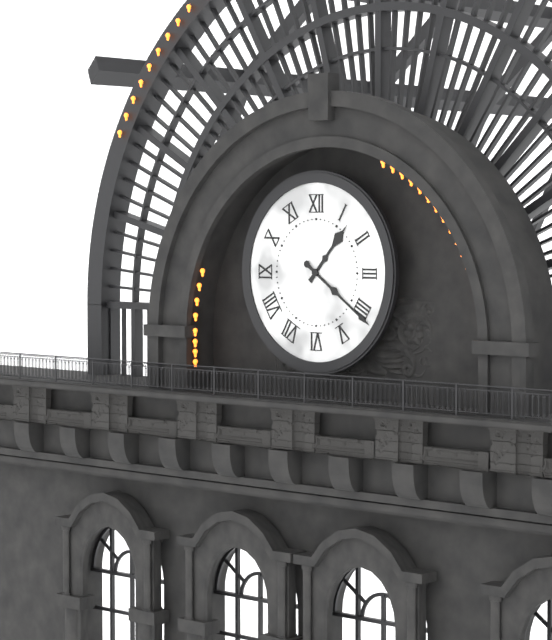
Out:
1,21
